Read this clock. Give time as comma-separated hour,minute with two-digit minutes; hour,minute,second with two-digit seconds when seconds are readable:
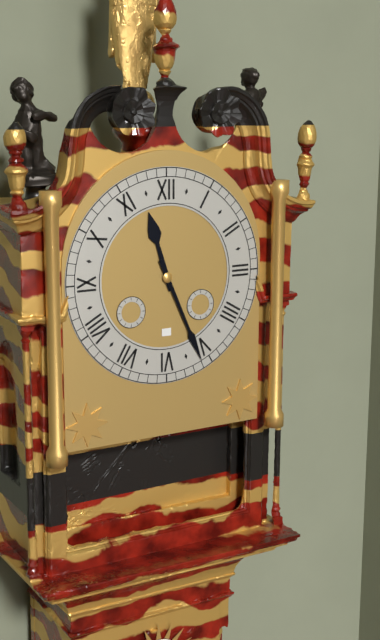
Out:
11,26
